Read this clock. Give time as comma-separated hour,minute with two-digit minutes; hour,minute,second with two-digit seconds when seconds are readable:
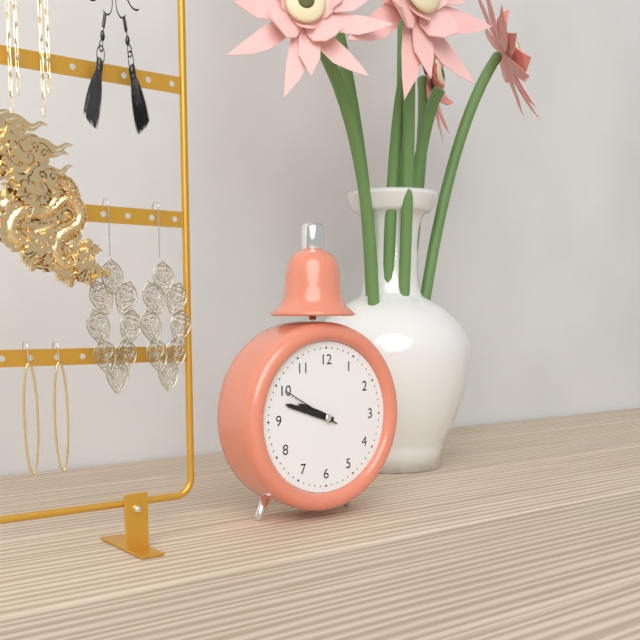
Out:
9,48,50
